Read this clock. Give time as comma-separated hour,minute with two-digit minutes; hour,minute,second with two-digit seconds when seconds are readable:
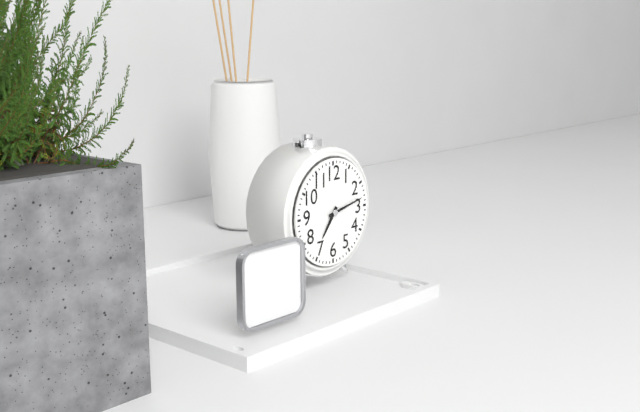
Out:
7,13
